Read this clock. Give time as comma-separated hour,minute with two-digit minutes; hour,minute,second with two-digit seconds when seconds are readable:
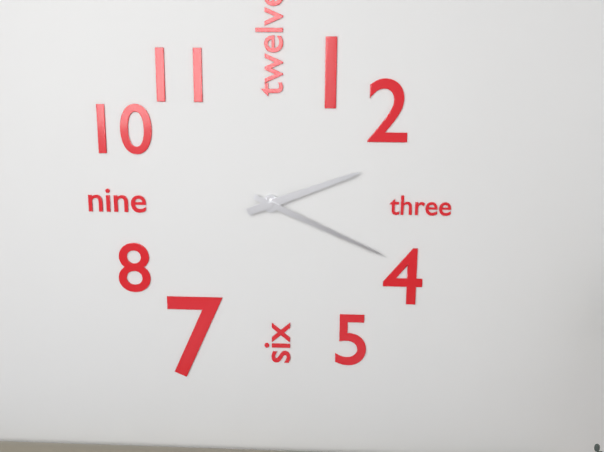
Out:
2,19
